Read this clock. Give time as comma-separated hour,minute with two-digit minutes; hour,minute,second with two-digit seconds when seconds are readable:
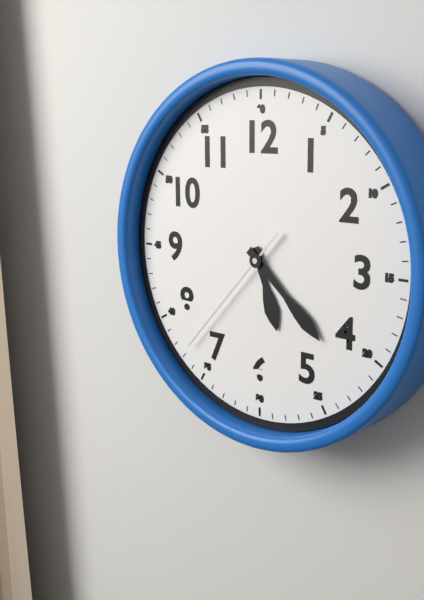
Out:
5,22,37
